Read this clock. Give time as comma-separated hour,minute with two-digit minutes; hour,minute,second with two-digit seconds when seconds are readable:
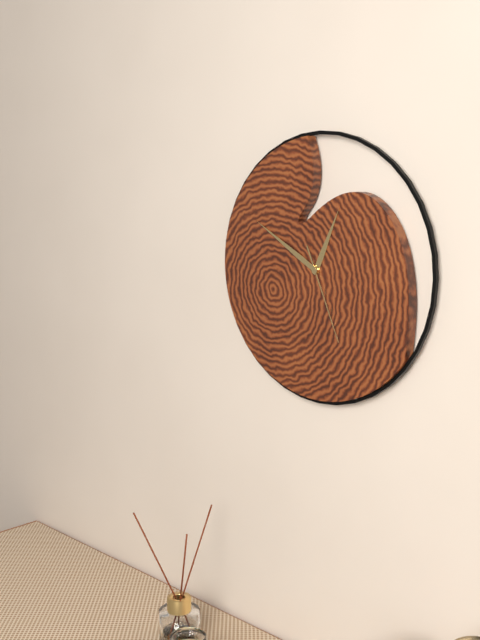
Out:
12,50,26
